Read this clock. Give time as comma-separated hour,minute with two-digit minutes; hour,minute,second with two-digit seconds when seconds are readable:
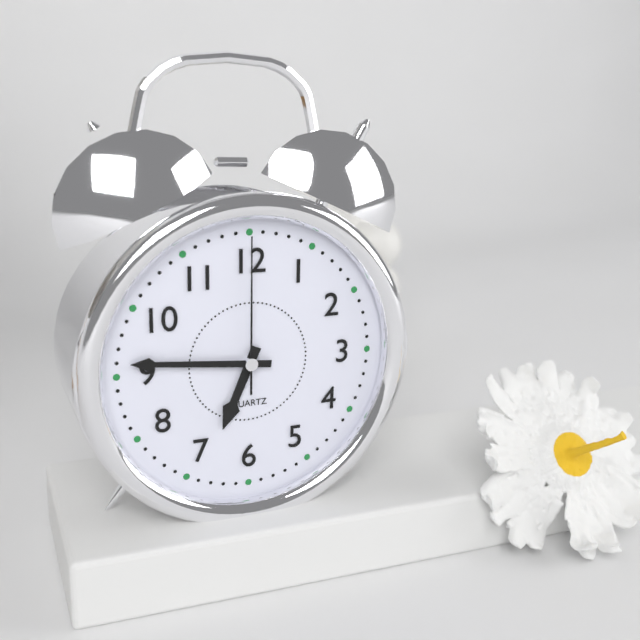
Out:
6,46,00
